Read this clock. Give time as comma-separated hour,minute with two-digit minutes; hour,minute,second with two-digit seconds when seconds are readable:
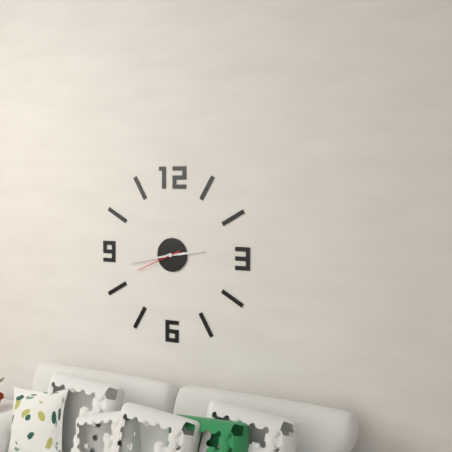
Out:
2,43
